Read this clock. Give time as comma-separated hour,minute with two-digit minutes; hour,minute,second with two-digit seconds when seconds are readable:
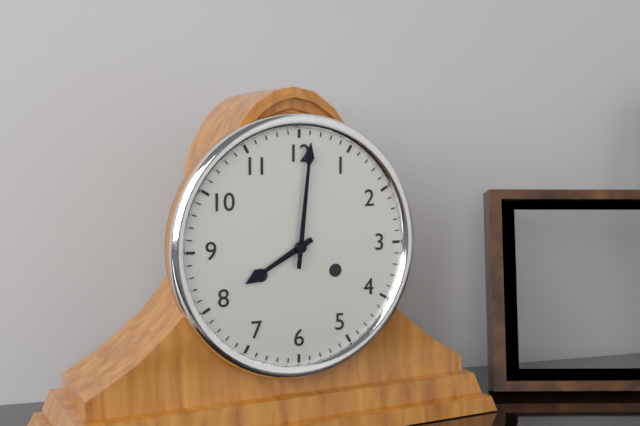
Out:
8,01
